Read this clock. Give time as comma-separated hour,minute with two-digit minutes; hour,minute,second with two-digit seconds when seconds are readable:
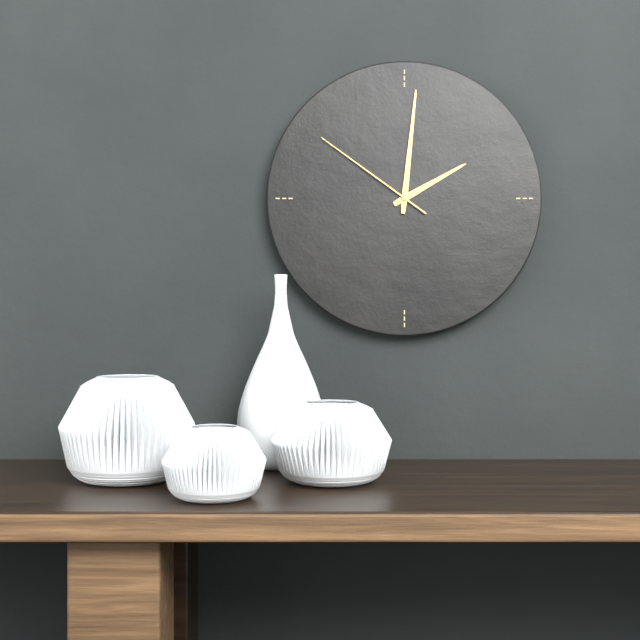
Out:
2,01,51
